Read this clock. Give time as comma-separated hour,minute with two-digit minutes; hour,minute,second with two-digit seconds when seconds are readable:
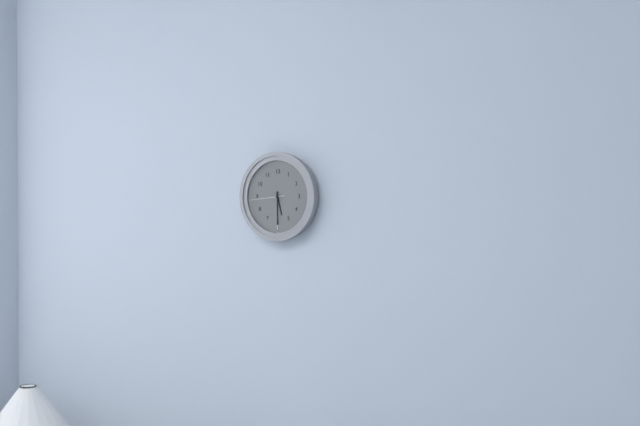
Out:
5,30
